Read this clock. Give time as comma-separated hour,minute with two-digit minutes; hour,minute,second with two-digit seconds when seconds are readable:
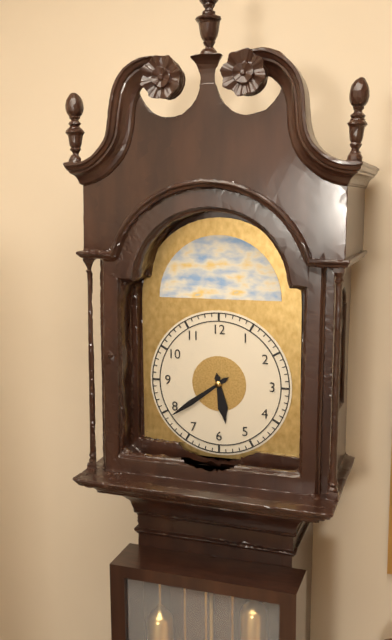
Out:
5,39
